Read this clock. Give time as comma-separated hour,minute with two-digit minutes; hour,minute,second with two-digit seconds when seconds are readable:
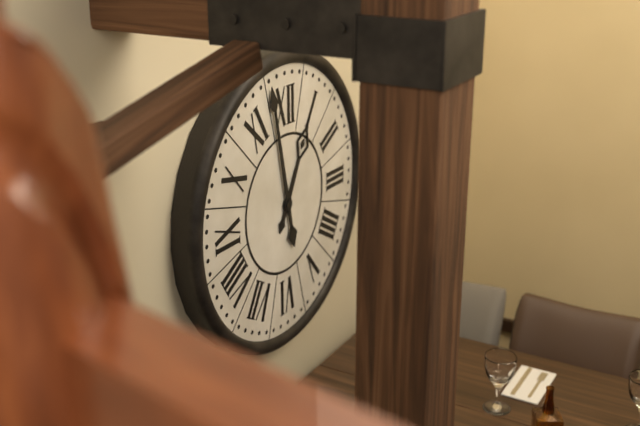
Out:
12,58
